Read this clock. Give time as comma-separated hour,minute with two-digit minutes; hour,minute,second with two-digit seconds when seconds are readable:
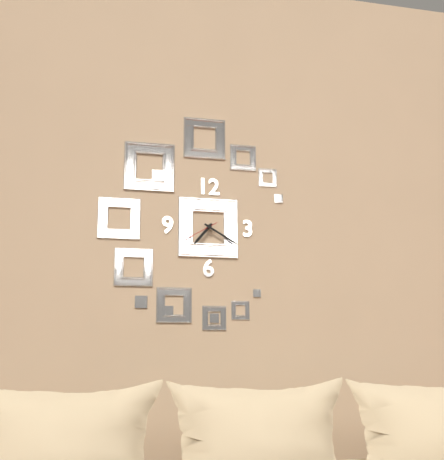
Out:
7,20
